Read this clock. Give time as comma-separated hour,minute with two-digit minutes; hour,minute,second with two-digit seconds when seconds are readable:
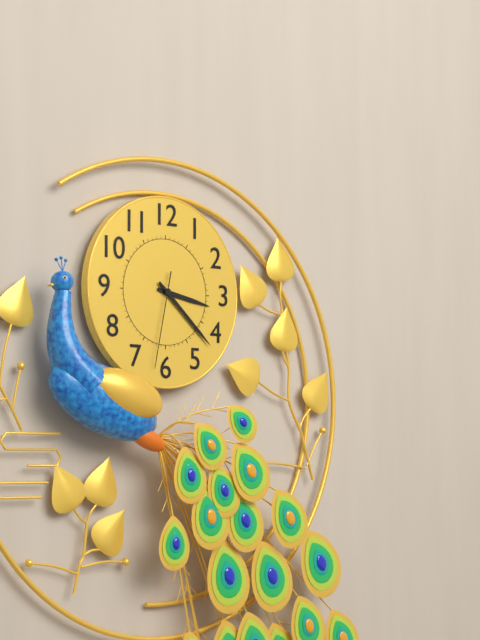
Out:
3,22,32
